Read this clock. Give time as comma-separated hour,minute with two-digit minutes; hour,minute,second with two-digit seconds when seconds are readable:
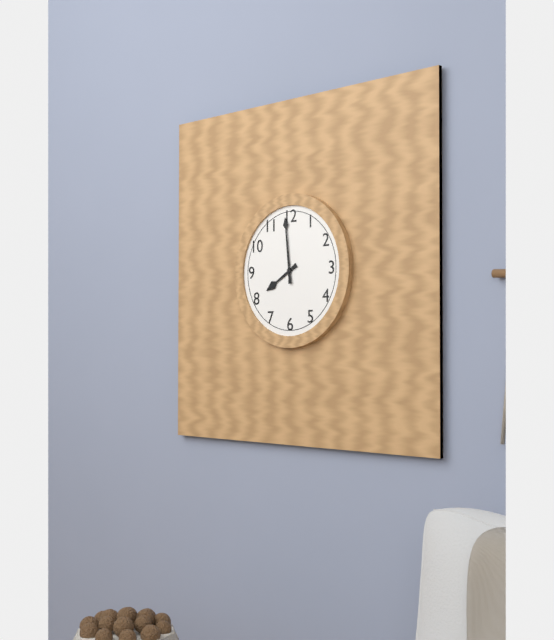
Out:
7,59
